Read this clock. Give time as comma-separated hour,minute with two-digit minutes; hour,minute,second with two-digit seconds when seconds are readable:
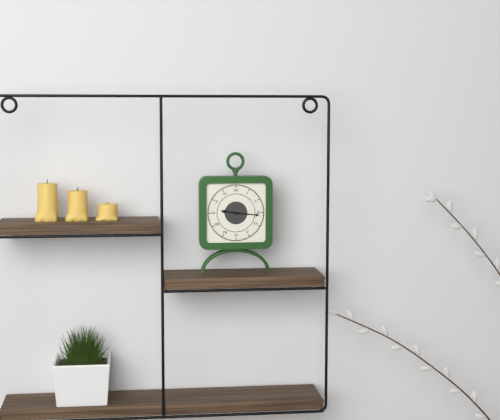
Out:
9,16
